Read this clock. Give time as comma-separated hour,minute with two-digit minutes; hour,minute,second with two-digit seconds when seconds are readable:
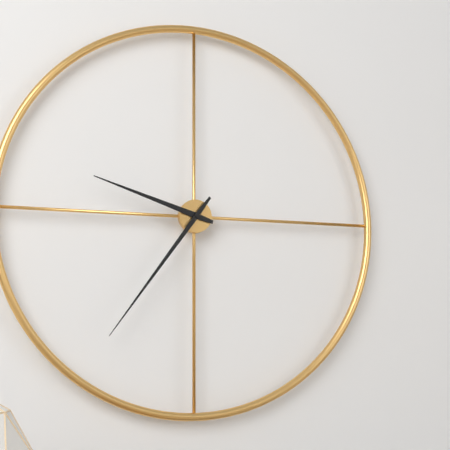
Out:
9,36
